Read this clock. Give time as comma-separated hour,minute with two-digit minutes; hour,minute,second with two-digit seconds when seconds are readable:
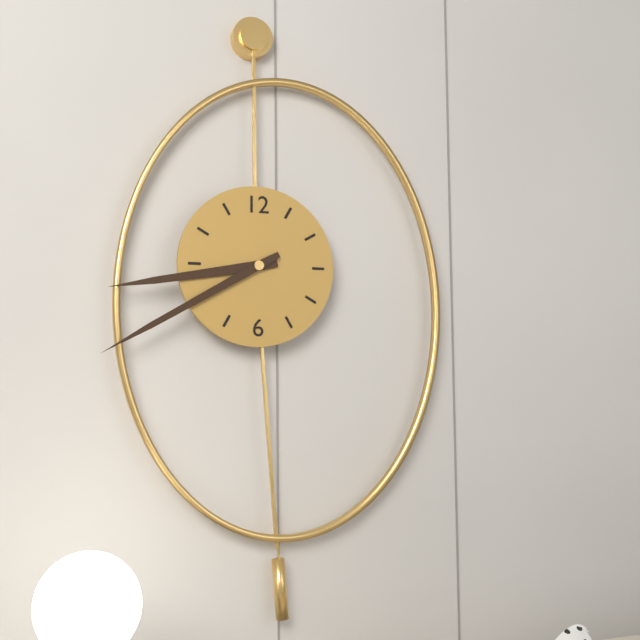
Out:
8,40
